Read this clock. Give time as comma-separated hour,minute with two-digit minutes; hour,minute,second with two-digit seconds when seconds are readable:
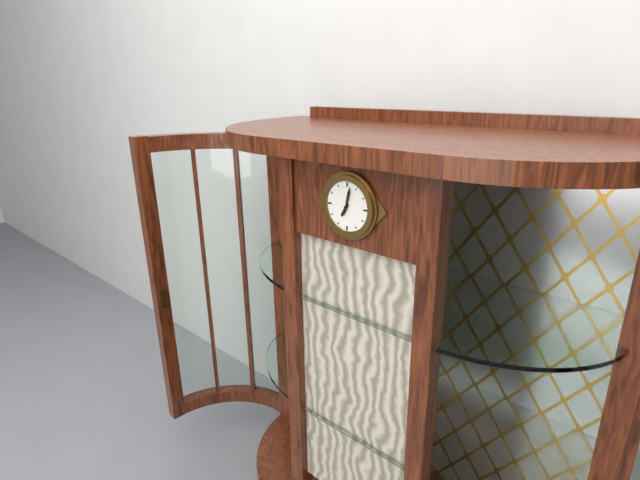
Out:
7,02
